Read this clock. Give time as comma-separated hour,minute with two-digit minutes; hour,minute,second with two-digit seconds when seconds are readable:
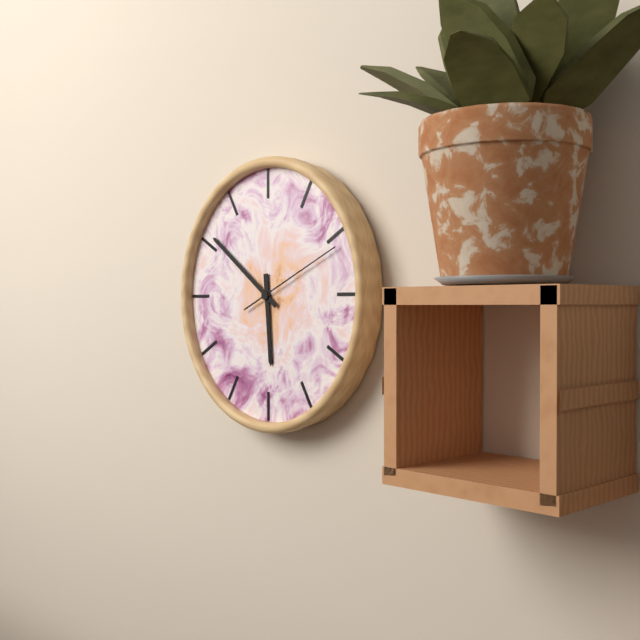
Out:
5,51,11
